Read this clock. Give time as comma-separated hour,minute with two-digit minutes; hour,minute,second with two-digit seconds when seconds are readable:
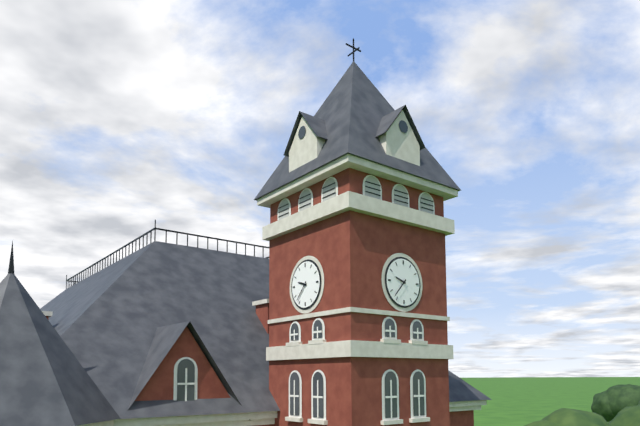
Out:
9,37
